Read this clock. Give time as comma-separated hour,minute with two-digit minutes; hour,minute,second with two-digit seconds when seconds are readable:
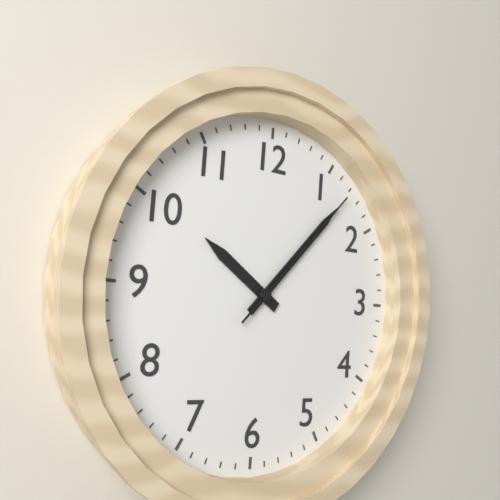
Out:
10,07,07
